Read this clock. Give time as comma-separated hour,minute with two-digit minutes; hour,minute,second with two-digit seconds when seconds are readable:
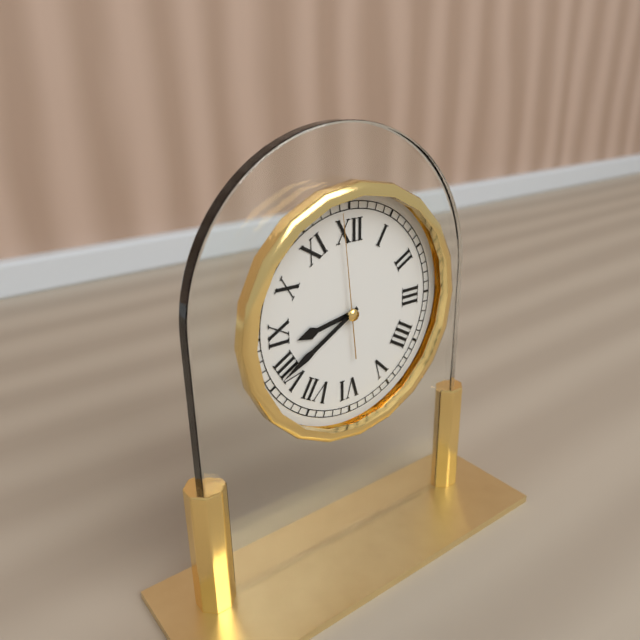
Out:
8,40,59
